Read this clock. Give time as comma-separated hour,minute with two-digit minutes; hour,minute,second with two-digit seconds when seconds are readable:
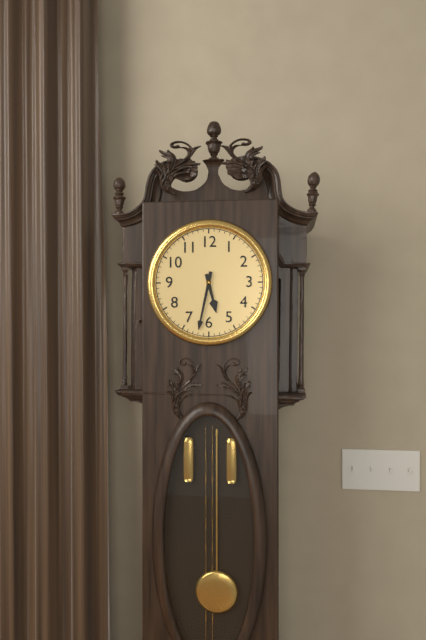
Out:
5,32
